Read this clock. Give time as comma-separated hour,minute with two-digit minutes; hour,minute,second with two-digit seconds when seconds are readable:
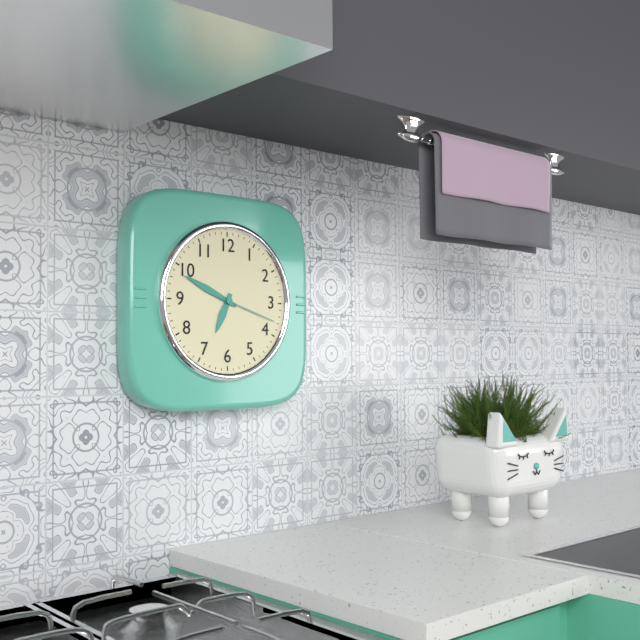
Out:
6,49,18
